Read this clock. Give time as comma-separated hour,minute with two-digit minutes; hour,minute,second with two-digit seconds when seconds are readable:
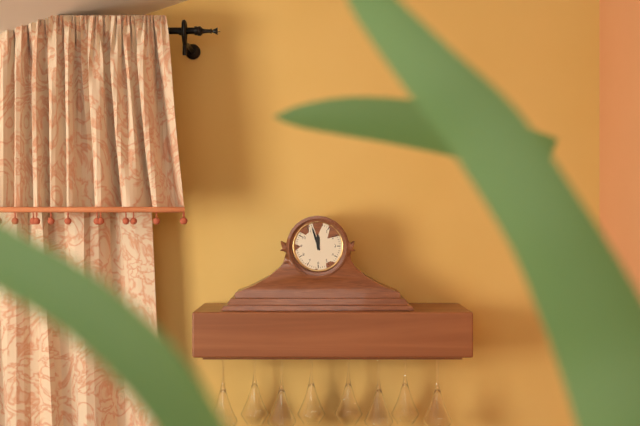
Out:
11,57
